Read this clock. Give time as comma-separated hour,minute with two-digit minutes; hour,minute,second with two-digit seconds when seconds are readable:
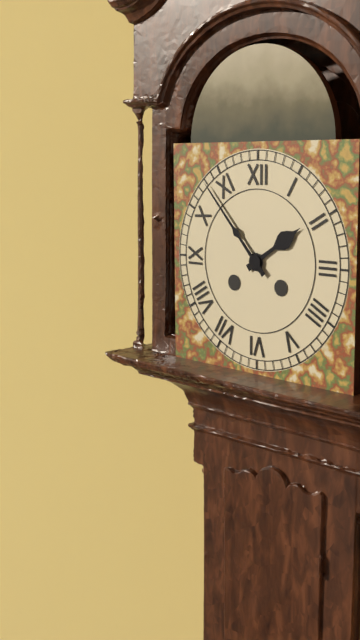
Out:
1,53
